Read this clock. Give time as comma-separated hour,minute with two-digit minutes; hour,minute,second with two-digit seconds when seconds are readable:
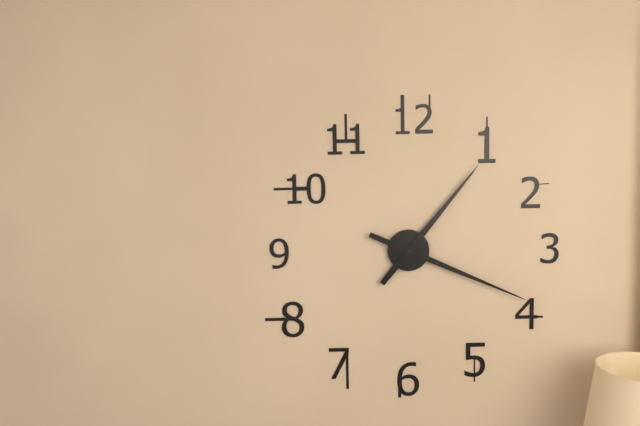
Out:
1,19
